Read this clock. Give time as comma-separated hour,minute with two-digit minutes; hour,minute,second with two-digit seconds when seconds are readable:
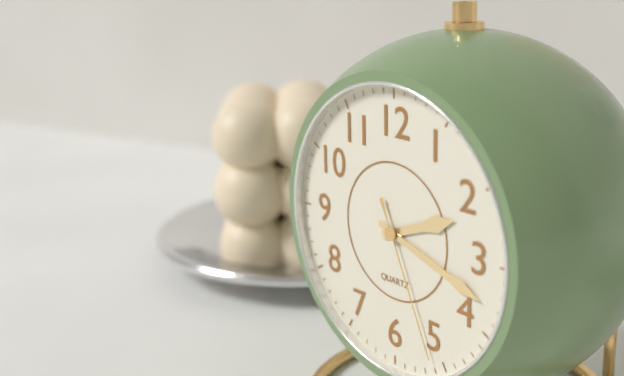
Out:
2,18,26
